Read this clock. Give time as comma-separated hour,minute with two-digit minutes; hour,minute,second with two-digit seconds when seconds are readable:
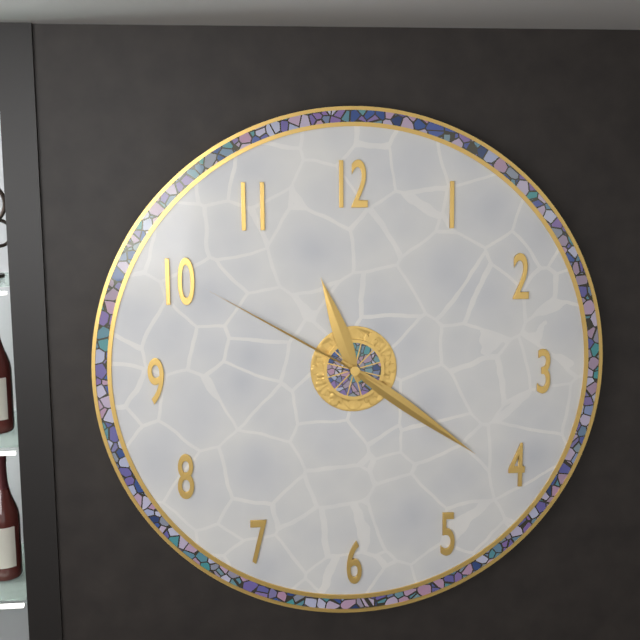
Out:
11,21,50
